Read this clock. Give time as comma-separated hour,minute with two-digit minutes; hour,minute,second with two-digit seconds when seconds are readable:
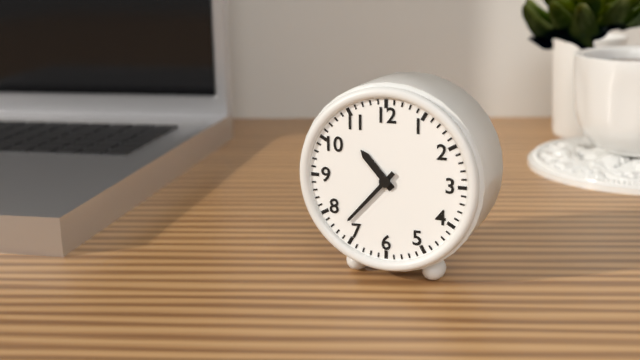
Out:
10,37
